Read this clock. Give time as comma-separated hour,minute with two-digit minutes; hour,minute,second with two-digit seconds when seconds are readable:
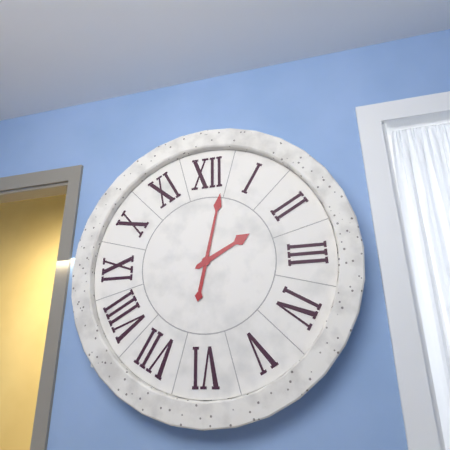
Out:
2,02
